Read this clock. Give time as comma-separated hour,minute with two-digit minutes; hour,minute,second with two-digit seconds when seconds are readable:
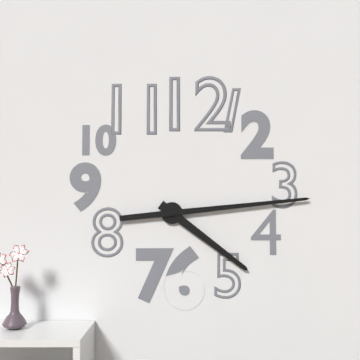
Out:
4,14
